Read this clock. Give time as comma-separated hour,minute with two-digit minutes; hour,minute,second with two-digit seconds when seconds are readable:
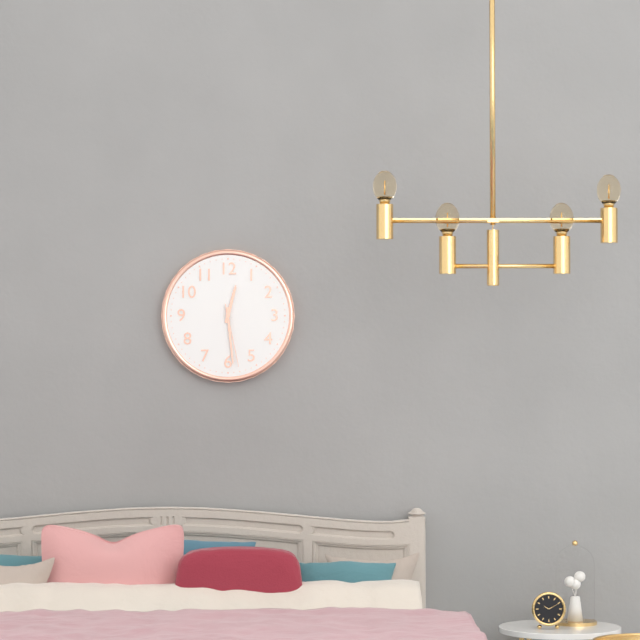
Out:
12,29,28
